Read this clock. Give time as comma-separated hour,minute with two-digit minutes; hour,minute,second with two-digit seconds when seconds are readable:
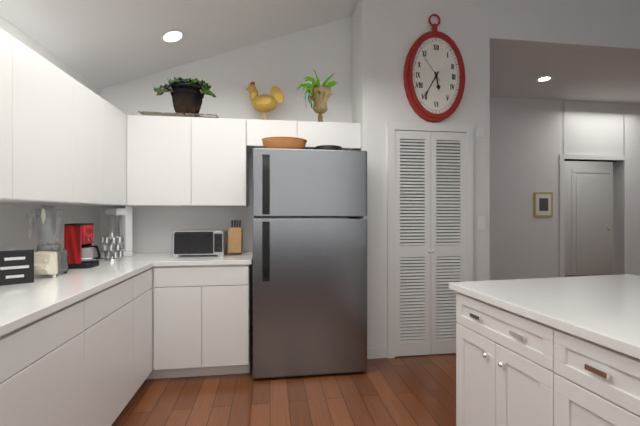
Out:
5,35
